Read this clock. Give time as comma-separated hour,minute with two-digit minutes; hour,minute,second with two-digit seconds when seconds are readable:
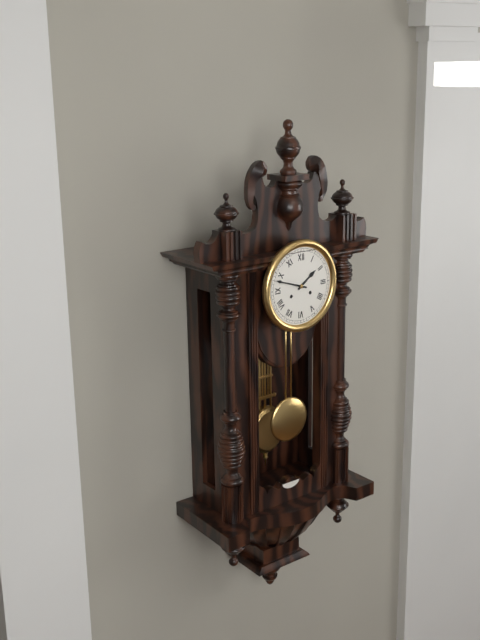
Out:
1,48
